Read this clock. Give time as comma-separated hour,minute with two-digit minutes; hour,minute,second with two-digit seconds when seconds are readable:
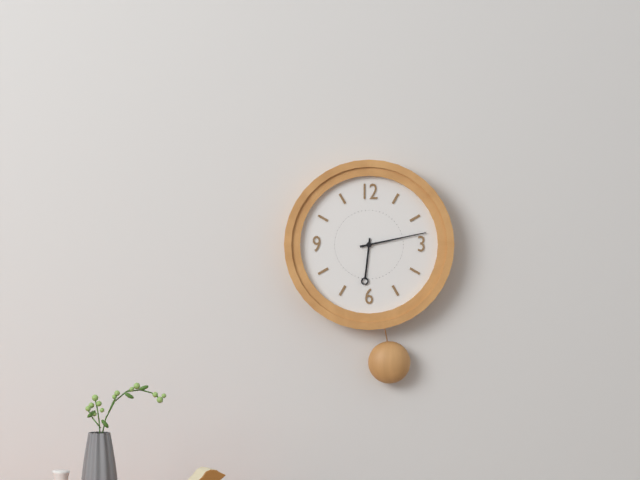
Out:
6,13
